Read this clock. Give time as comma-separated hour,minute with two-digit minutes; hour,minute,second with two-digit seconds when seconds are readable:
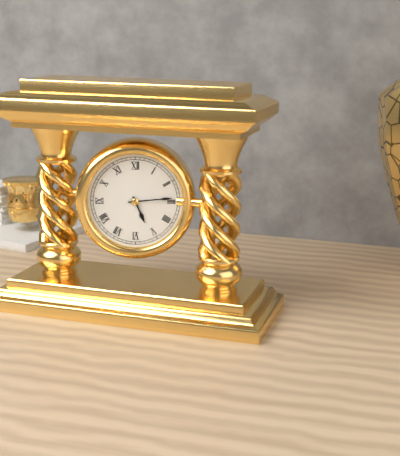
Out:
5,14
